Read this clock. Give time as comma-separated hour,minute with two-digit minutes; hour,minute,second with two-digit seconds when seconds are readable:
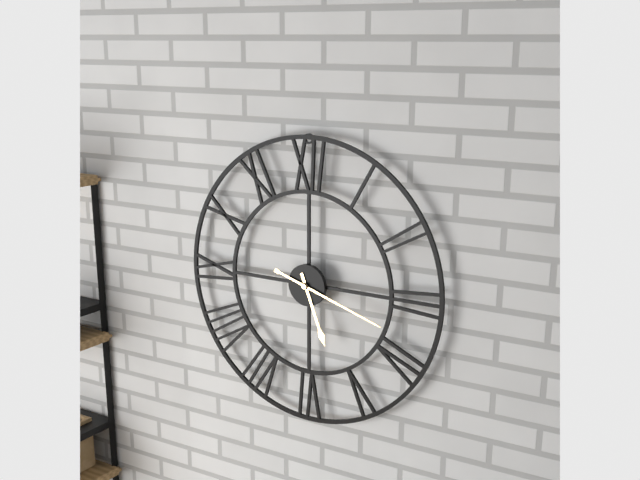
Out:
5,18
